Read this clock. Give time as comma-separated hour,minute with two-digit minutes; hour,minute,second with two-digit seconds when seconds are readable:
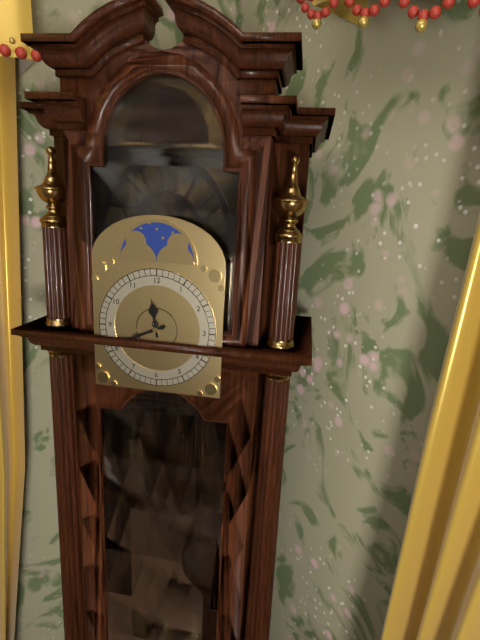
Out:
11,41
